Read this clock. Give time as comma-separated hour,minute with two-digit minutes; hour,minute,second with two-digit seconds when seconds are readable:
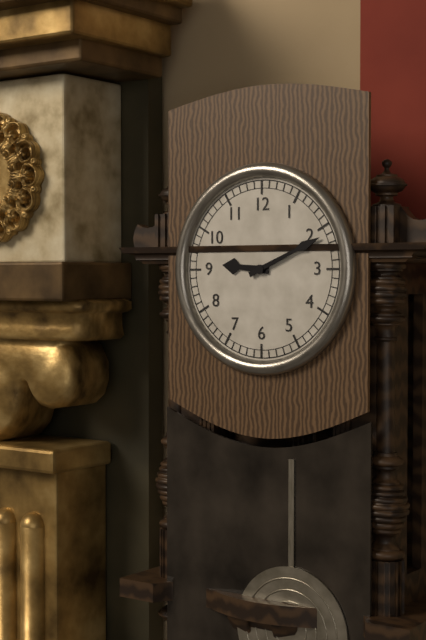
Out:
9,11
